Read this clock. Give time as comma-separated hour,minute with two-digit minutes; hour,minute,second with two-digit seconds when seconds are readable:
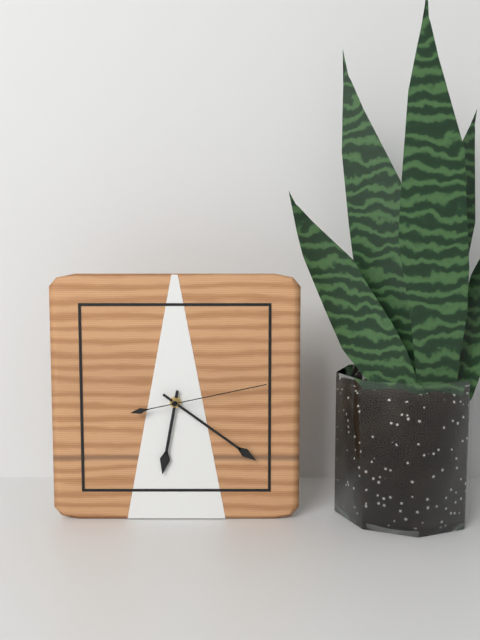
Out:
6,21,13
